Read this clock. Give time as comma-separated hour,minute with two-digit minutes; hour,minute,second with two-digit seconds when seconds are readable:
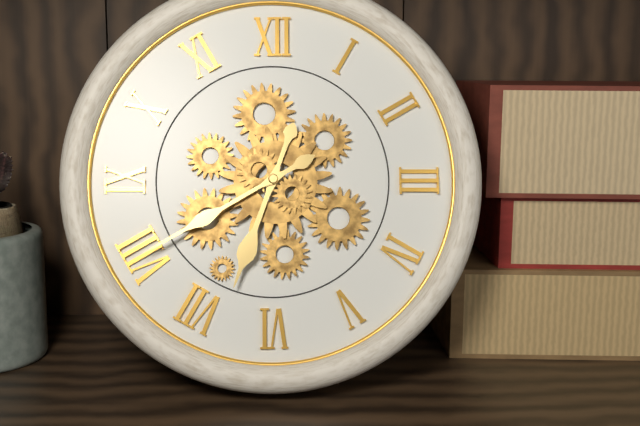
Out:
6,40
